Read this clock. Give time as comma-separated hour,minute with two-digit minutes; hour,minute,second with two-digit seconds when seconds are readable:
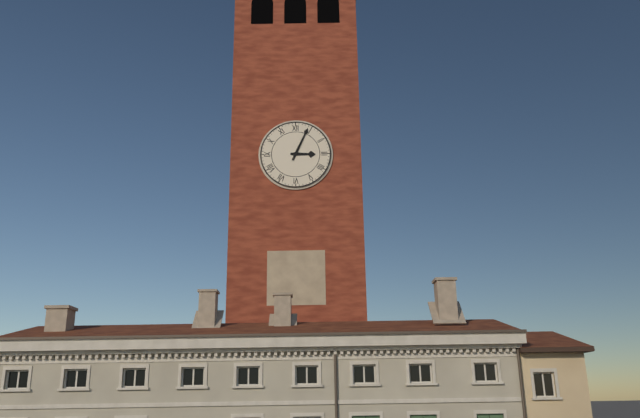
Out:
3,04
